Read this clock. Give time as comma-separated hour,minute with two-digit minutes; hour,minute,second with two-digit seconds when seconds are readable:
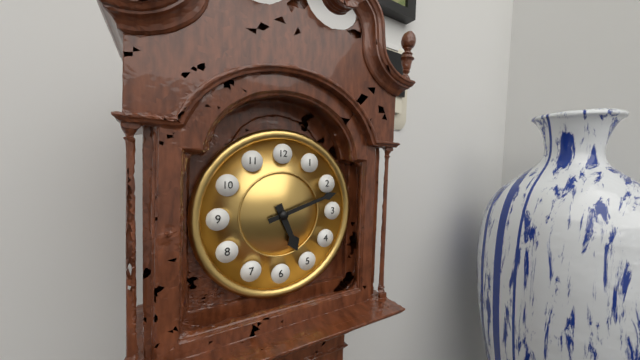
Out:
5,12
